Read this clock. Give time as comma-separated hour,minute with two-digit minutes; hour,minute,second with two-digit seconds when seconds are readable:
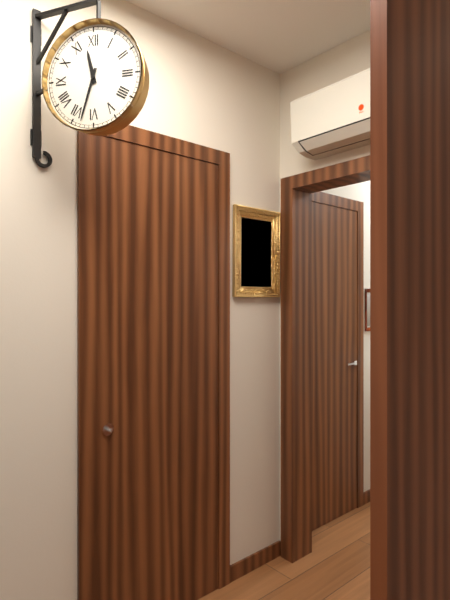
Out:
11,33
